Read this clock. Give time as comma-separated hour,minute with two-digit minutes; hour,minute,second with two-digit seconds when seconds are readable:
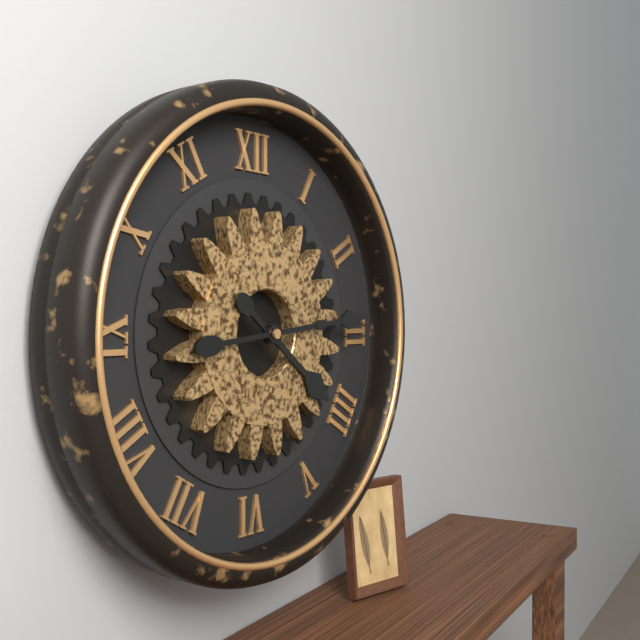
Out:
4,14
